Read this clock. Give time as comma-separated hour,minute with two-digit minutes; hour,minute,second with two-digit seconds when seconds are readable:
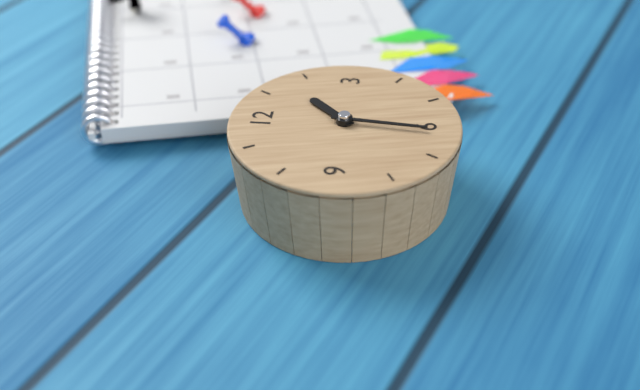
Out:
1,31
